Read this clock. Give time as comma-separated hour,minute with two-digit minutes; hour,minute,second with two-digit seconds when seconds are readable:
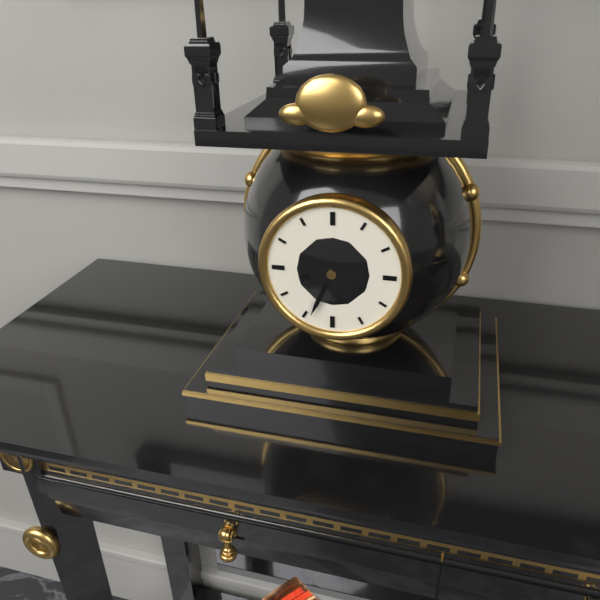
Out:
8,34
